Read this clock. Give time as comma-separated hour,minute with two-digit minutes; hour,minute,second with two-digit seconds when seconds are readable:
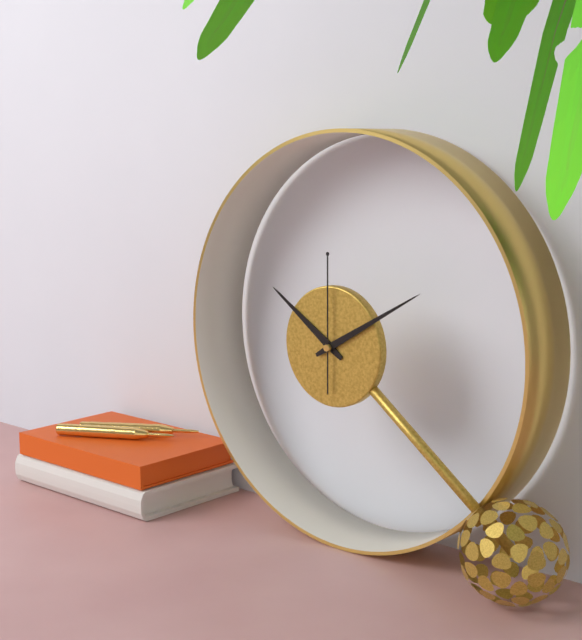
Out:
10,10,00
